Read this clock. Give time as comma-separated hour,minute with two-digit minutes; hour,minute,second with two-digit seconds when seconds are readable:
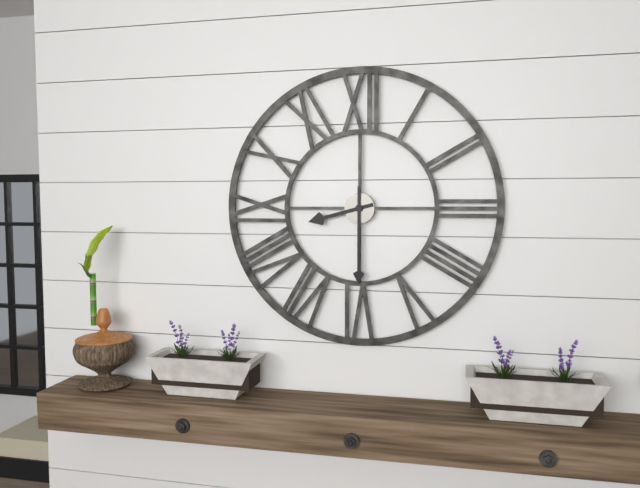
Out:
8,30
